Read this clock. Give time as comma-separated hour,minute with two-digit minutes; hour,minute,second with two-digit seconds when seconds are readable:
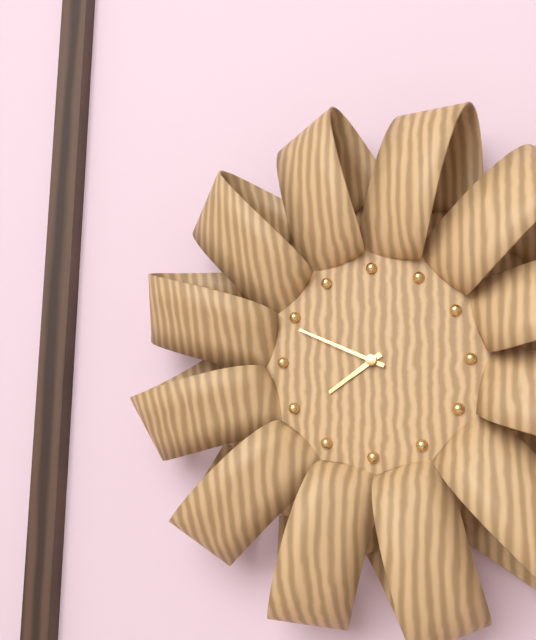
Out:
7,49
